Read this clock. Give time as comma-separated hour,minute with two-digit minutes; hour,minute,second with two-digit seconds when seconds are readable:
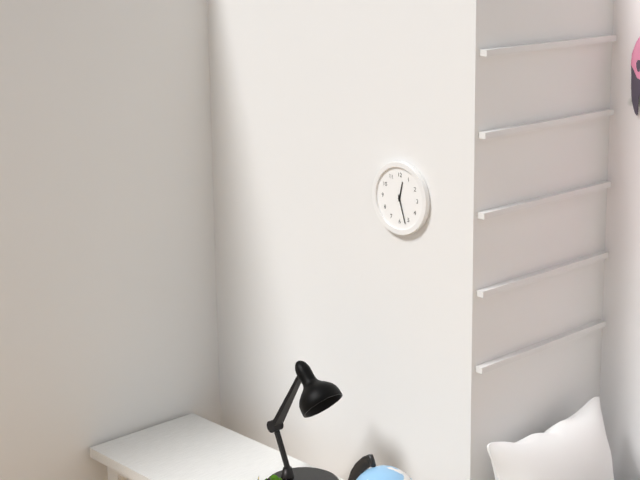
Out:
12,27
